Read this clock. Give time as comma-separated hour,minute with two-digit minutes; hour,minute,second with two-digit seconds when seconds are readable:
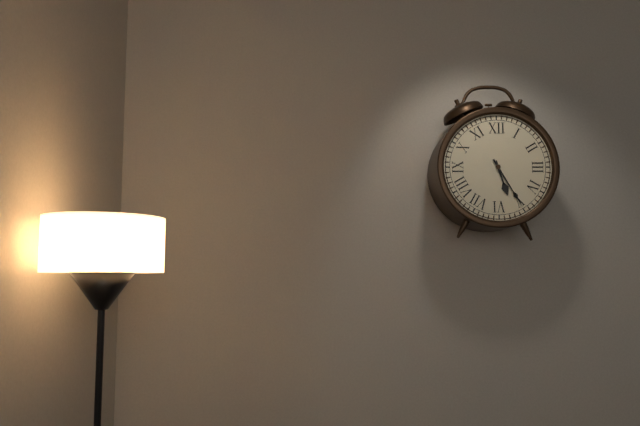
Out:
5,25
